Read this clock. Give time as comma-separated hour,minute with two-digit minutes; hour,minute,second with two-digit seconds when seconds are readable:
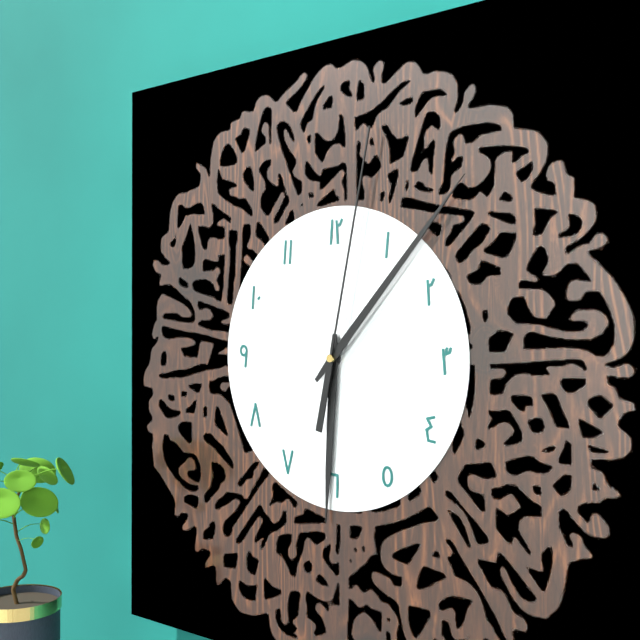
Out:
6,07,02
